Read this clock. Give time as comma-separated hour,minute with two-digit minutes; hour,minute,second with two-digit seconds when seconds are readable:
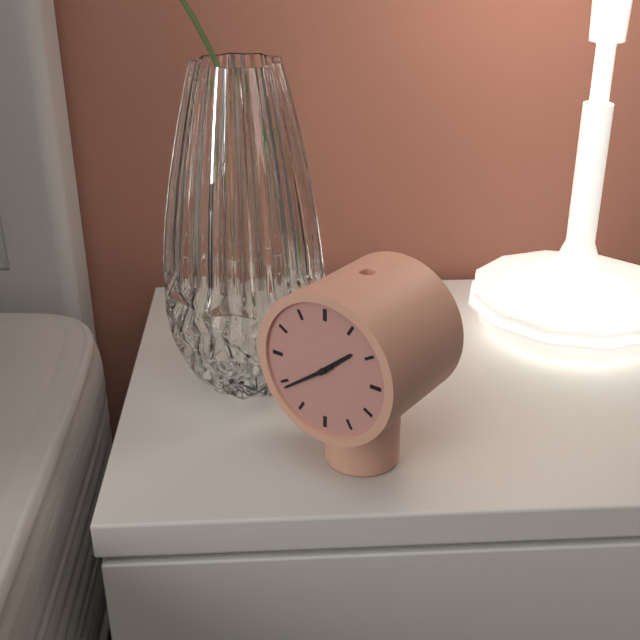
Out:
1,39
